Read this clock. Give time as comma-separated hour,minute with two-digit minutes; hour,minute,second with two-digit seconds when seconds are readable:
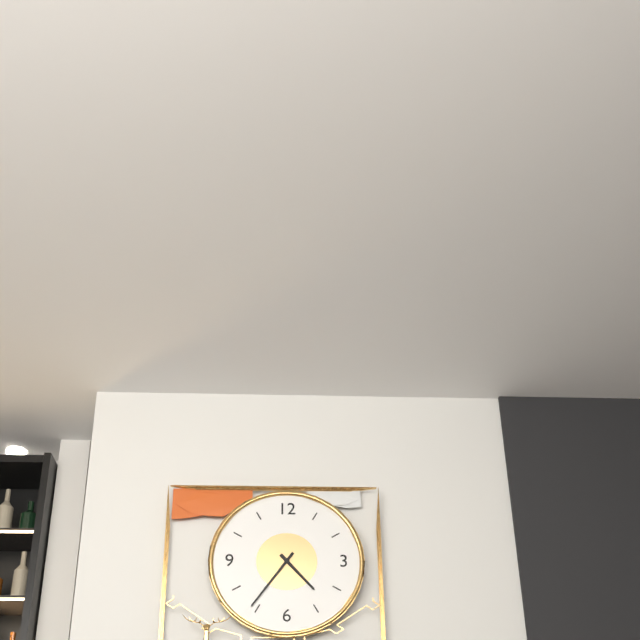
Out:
4,36
